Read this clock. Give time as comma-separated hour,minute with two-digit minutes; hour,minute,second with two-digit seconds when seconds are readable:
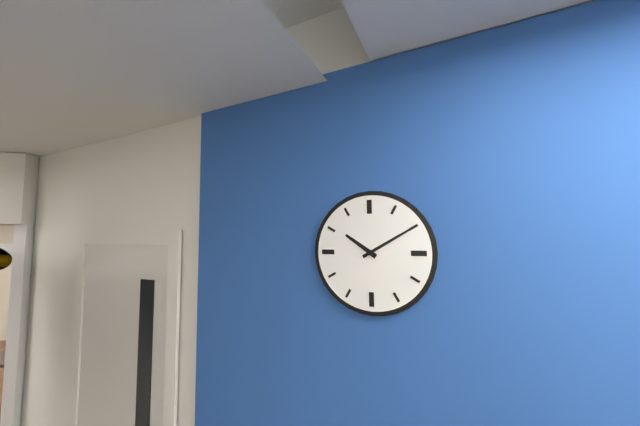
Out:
10,10
